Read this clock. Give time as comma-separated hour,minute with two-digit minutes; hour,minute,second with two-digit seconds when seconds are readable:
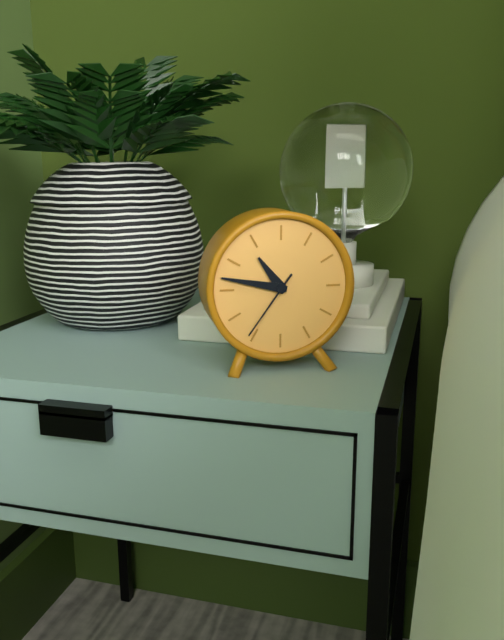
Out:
10,47,36
